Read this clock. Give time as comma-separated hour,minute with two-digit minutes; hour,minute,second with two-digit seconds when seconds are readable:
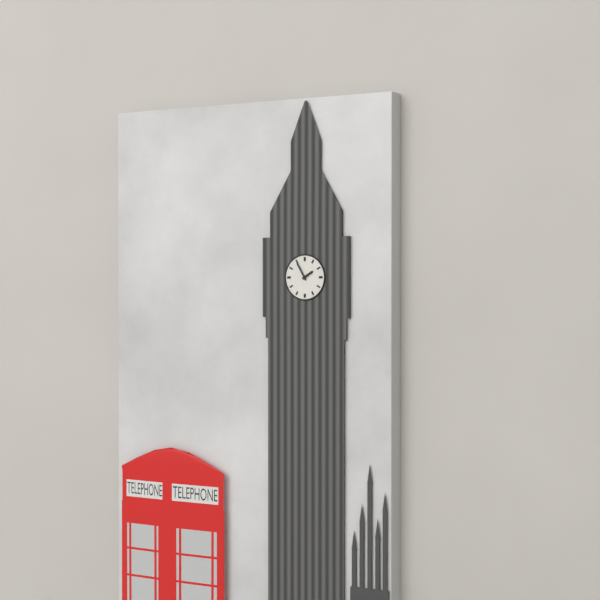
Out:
1,55
